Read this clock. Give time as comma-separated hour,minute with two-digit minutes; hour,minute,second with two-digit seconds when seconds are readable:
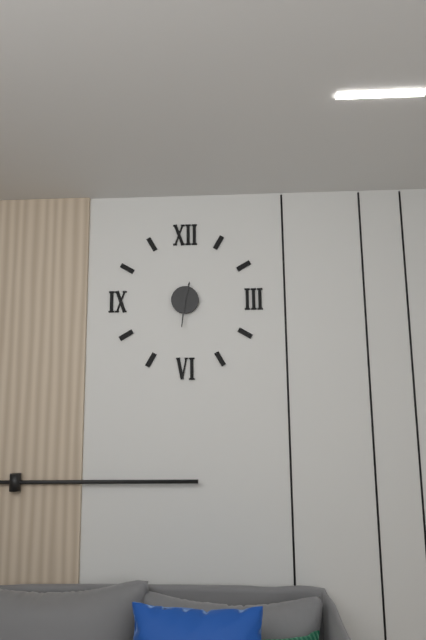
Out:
12,31
